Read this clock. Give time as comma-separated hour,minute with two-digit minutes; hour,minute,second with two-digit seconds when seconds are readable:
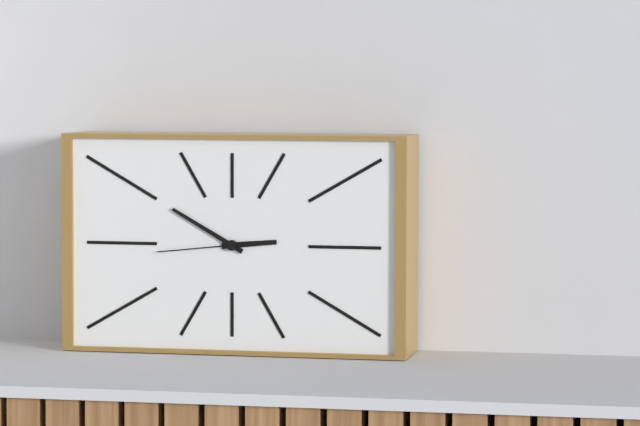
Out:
2,50,44
